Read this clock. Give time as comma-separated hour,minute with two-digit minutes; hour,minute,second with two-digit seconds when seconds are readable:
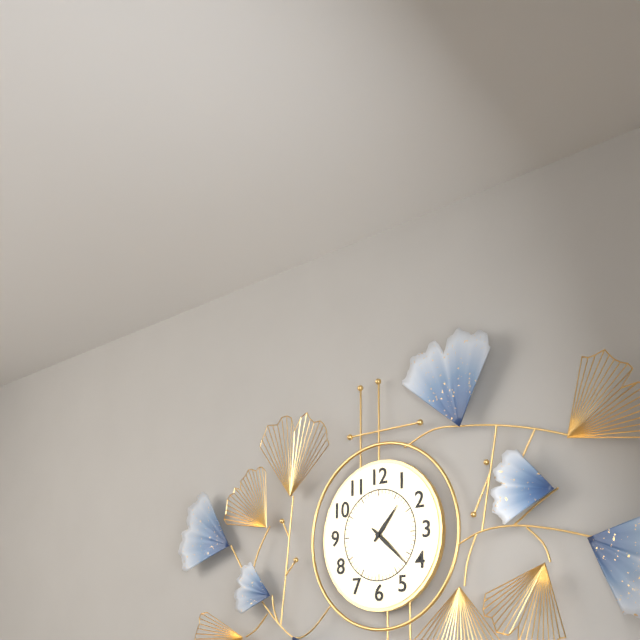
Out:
1,22
